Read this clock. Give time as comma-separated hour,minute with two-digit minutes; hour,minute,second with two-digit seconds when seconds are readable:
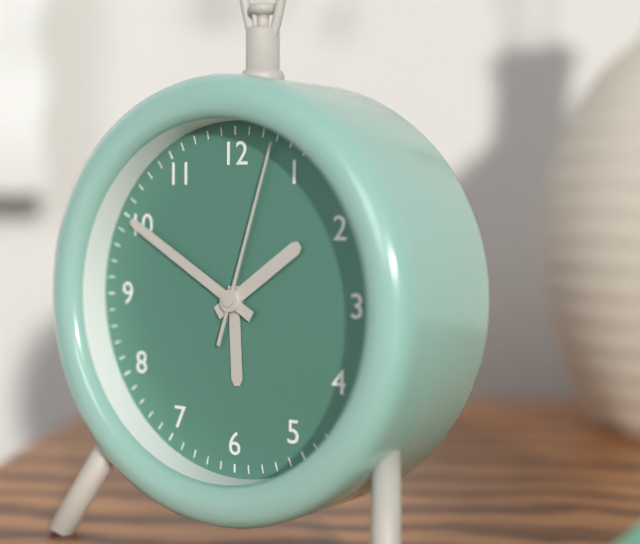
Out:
1,50,03
